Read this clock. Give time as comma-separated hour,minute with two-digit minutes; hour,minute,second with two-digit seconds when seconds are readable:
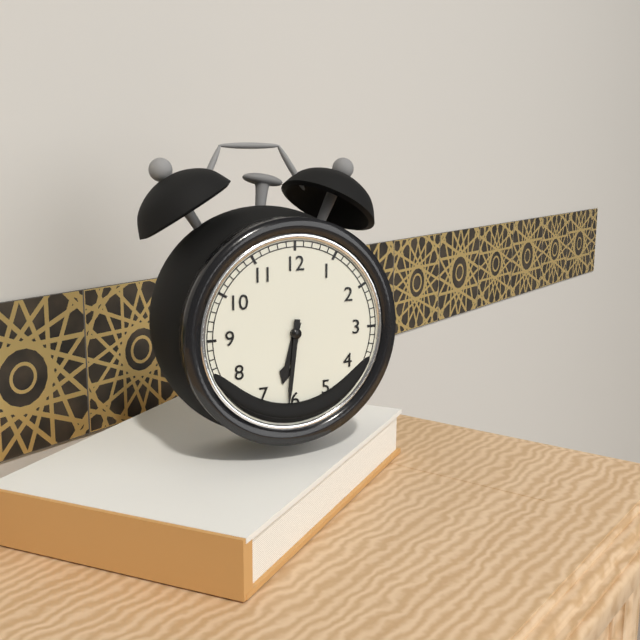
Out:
6,31
